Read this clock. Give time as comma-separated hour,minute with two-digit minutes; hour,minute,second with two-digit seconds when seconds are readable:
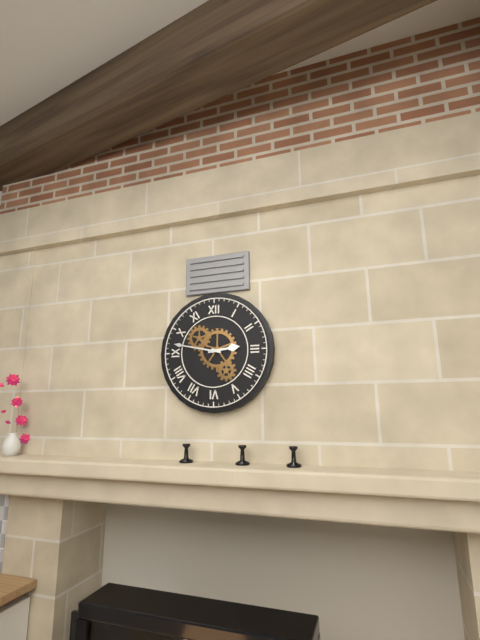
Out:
2,47
